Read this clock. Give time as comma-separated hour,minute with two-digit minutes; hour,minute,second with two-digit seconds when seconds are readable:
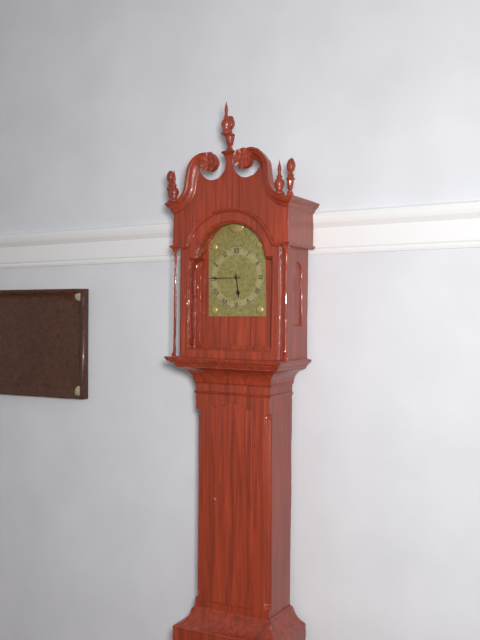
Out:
5,45
